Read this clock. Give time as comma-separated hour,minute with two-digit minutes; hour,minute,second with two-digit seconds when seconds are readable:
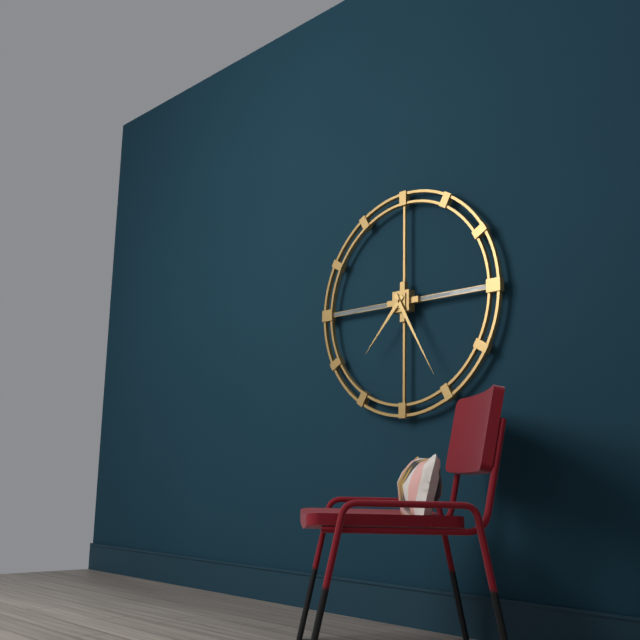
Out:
7,25
